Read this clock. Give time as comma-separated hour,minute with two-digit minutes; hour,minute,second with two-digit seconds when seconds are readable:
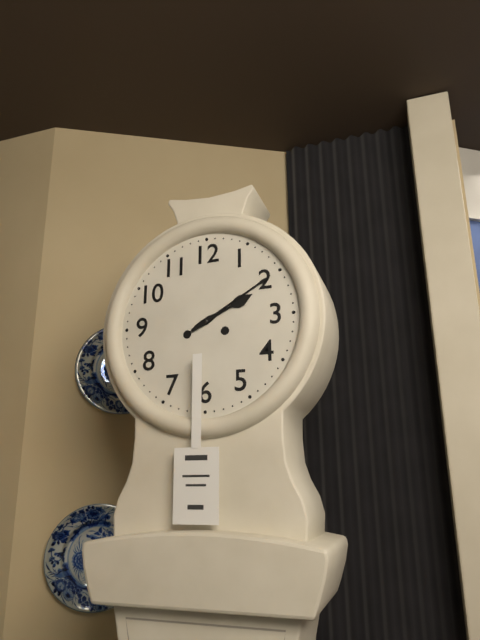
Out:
2,10
